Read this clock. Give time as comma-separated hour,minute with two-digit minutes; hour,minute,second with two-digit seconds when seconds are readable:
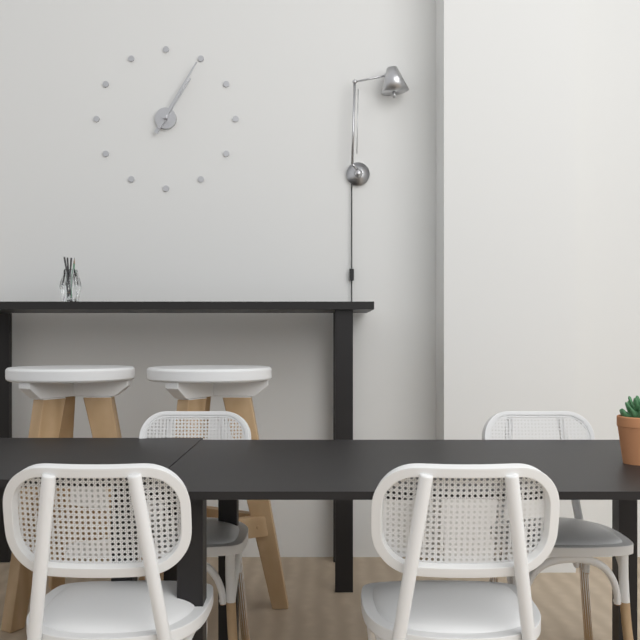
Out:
1,05
